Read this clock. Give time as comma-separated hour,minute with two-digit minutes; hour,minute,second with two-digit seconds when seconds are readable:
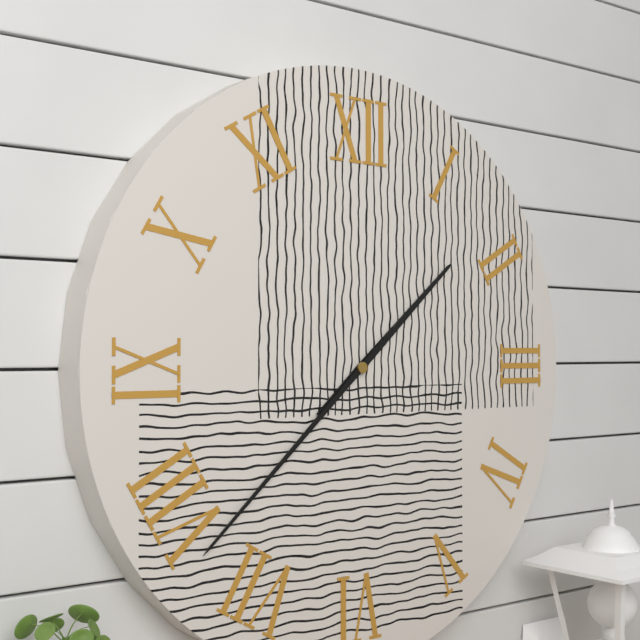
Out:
1,38
